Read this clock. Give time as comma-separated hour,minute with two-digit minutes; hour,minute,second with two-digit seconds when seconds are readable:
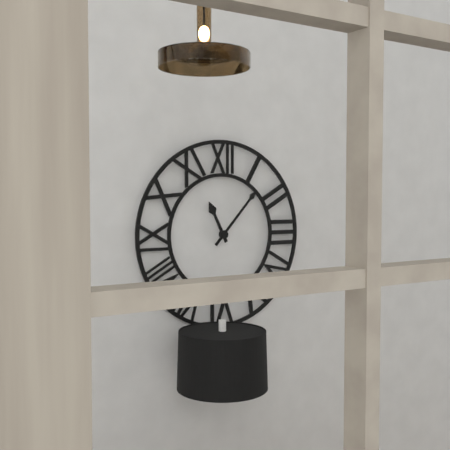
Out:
11,07
